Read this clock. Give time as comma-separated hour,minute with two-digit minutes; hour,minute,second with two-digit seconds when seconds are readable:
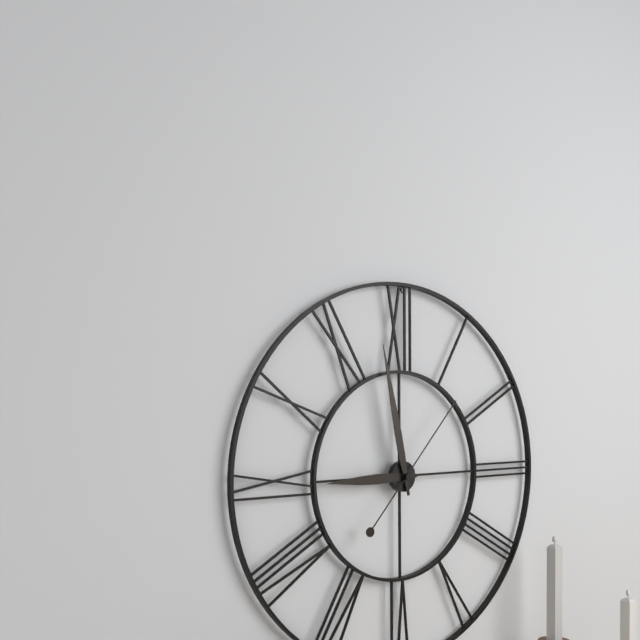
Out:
8,58,07
